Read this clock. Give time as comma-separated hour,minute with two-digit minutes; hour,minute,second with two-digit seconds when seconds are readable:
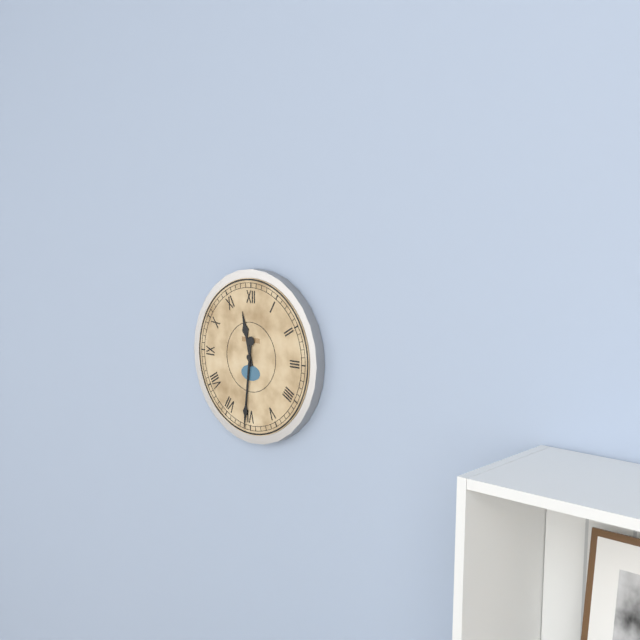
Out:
11,31
